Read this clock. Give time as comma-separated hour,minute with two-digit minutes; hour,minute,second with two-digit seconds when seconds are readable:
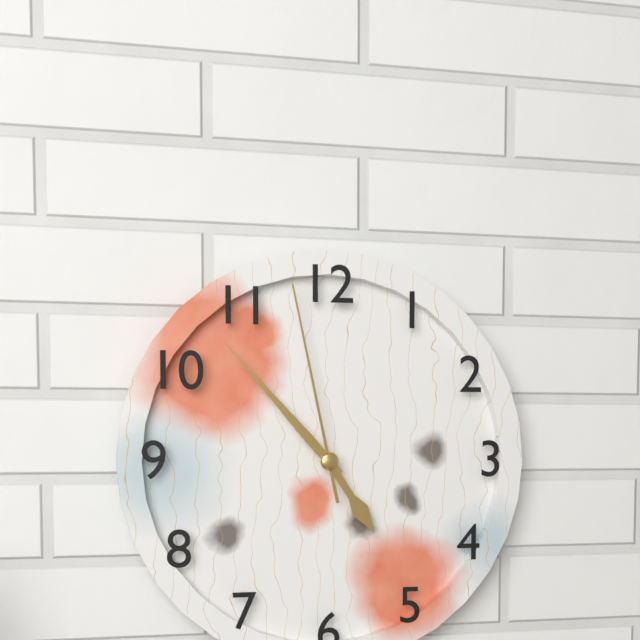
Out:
4,53,58
